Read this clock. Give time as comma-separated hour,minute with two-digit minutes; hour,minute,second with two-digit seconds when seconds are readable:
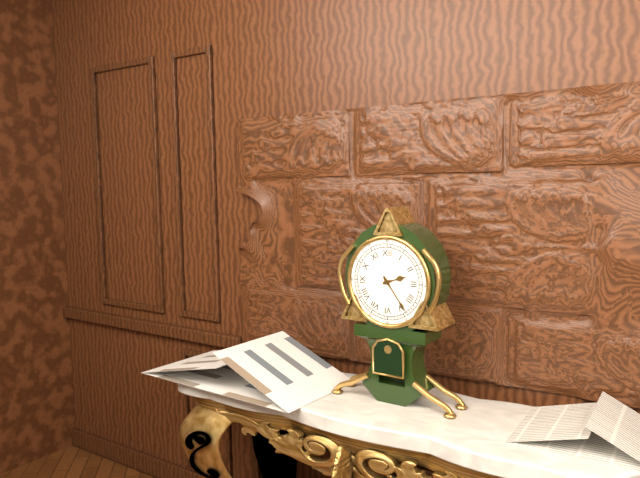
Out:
2,24
